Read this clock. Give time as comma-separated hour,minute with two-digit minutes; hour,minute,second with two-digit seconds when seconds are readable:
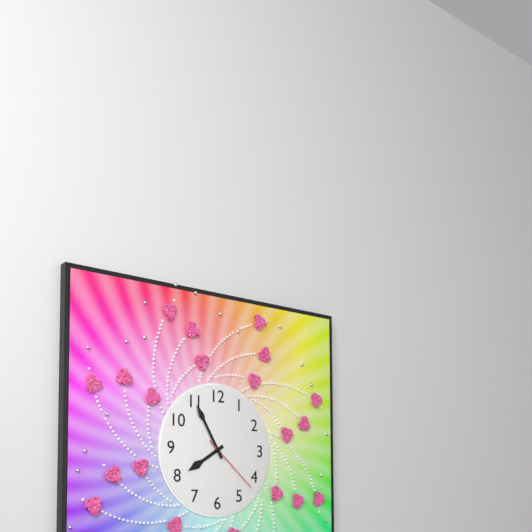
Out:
7,55,22
